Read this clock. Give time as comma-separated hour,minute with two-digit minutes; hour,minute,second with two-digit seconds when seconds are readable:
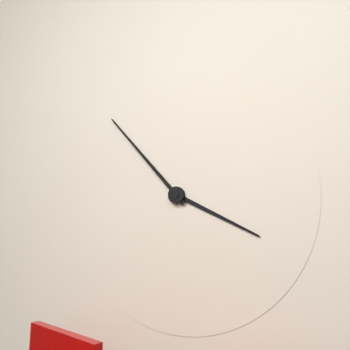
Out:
3,53
